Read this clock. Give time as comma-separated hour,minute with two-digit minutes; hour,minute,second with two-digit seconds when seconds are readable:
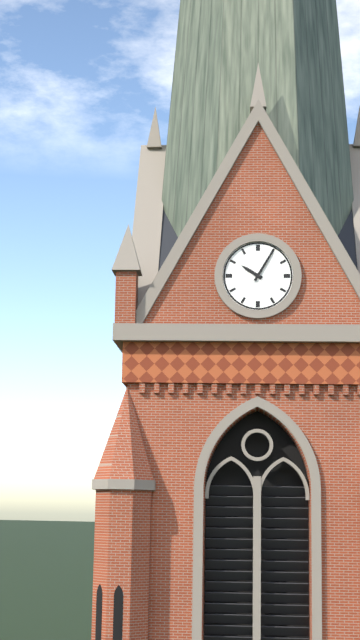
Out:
10,05
